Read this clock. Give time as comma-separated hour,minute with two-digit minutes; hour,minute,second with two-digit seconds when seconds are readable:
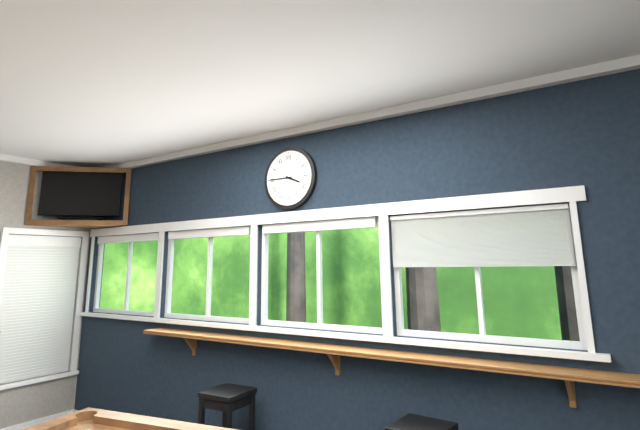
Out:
3,45
